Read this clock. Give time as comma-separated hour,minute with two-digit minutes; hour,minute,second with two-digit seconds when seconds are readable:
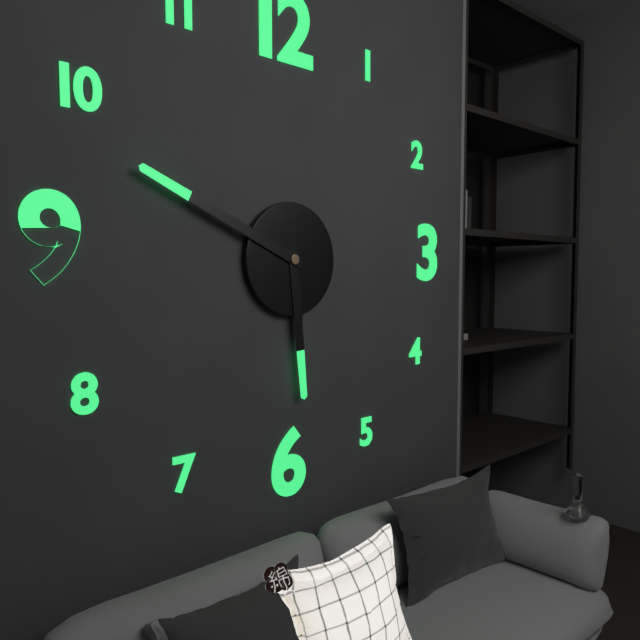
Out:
5,49
